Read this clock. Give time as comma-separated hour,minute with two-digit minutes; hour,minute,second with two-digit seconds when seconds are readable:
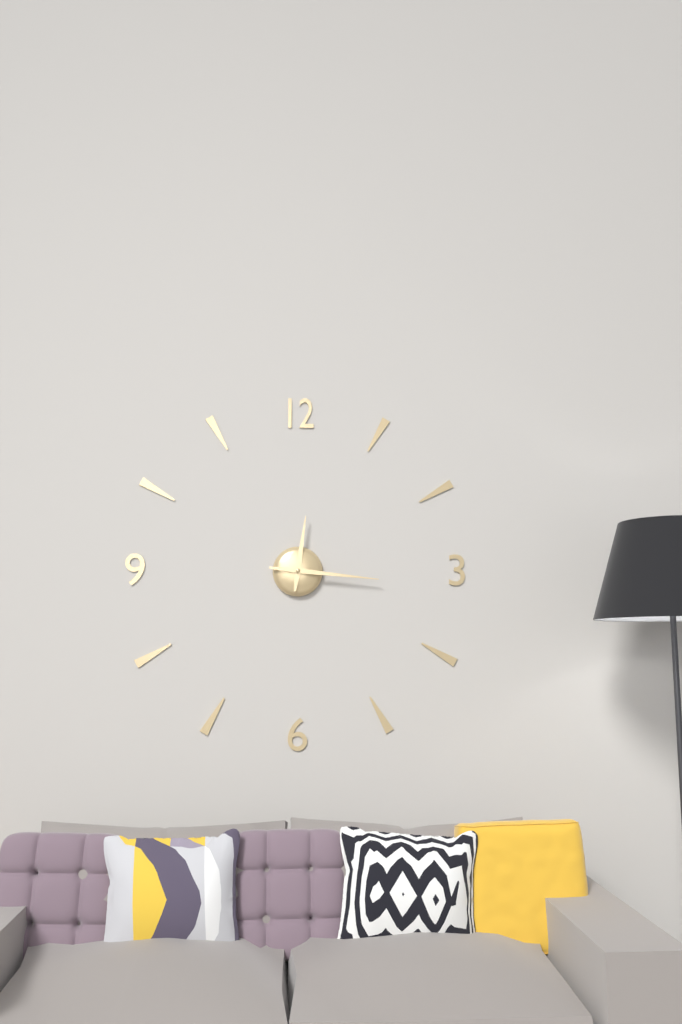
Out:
12,16
